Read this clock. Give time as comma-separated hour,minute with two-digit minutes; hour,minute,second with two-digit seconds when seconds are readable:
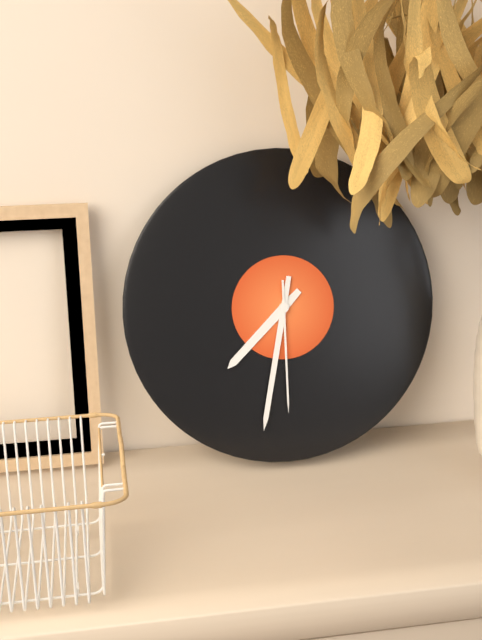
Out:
7,32,30
